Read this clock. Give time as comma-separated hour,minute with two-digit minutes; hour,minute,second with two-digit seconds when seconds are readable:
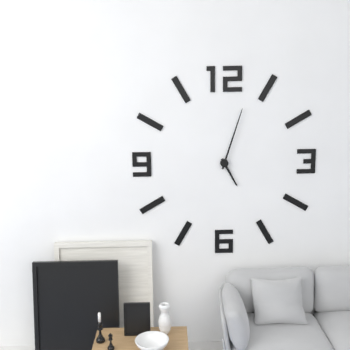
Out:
5,03
